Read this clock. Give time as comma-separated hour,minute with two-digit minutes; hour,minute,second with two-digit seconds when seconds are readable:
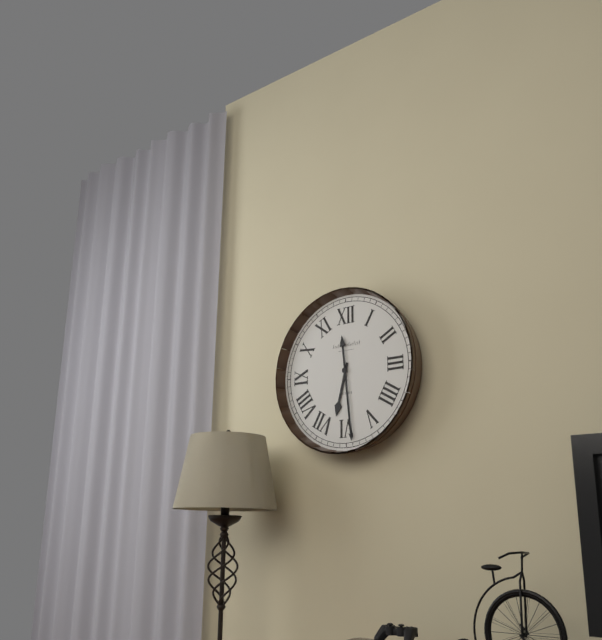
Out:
6,29
